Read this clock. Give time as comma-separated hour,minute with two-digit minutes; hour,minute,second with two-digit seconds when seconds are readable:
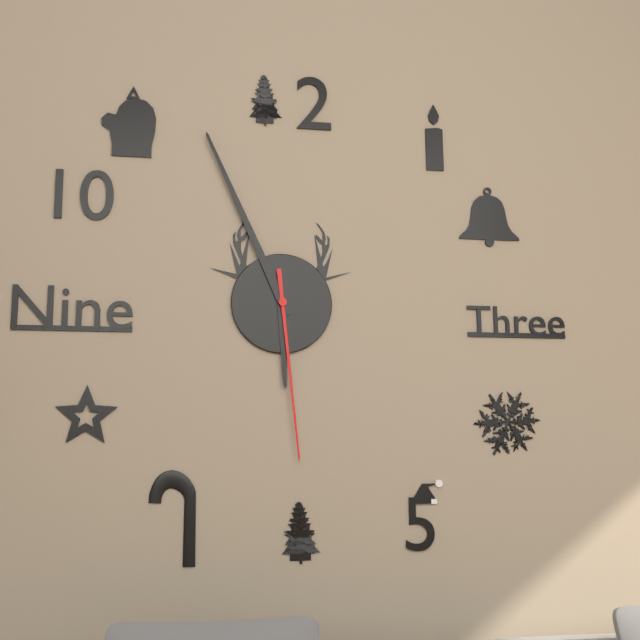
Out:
5,56,29
